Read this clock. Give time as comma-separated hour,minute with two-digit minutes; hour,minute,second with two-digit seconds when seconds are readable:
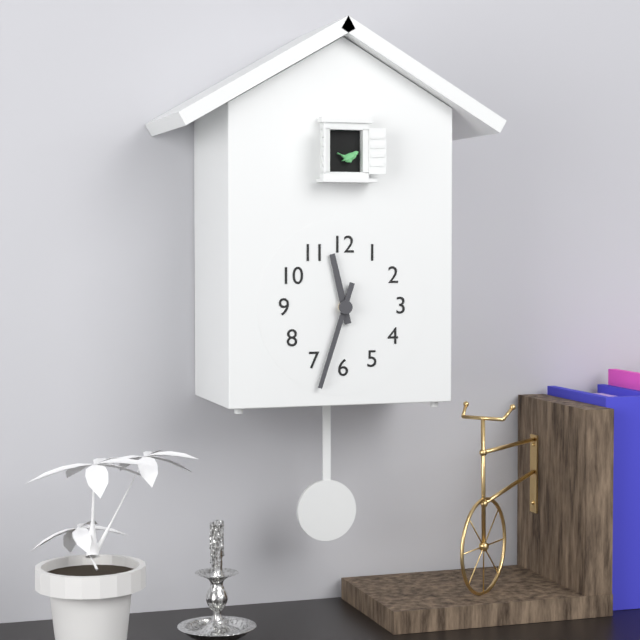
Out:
11,33
